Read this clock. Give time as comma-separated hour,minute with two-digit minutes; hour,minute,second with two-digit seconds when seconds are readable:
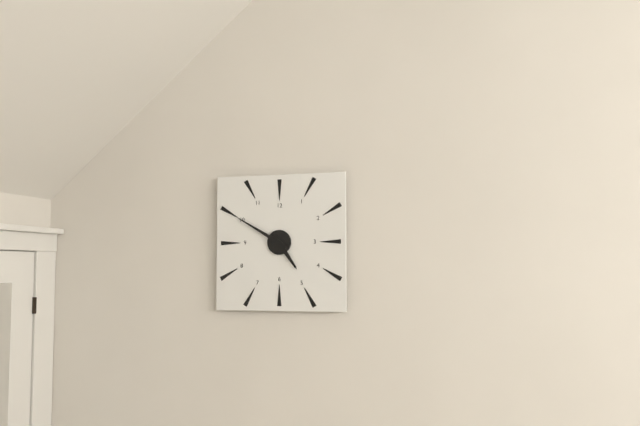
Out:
4,50
